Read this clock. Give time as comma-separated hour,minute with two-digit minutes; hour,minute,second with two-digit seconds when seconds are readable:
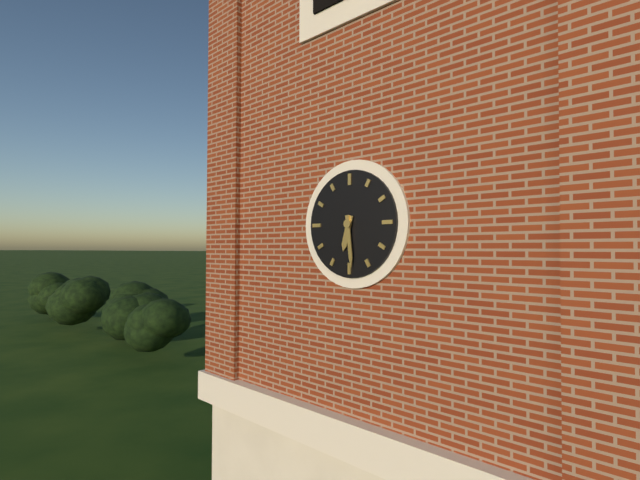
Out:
6,29
